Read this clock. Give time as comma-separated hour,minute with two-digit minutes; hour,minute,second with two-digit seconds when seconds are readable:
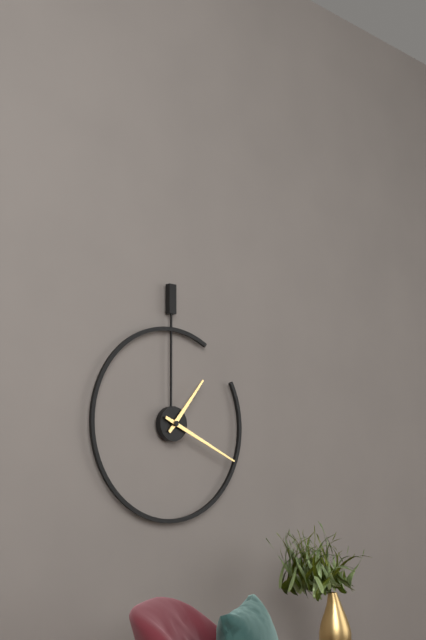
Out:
1,19
